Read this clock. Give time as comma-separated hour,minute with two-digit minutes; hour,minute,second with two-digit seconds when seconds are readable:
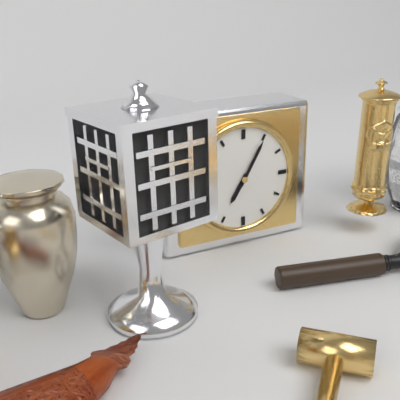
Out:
7,05
